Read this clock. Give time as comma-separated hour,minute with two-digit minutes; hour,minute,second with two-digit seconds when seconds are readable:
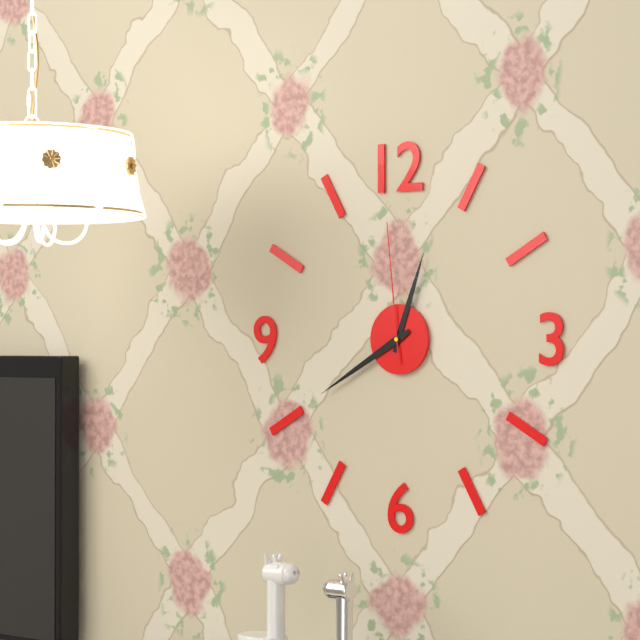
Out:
12,40,59
